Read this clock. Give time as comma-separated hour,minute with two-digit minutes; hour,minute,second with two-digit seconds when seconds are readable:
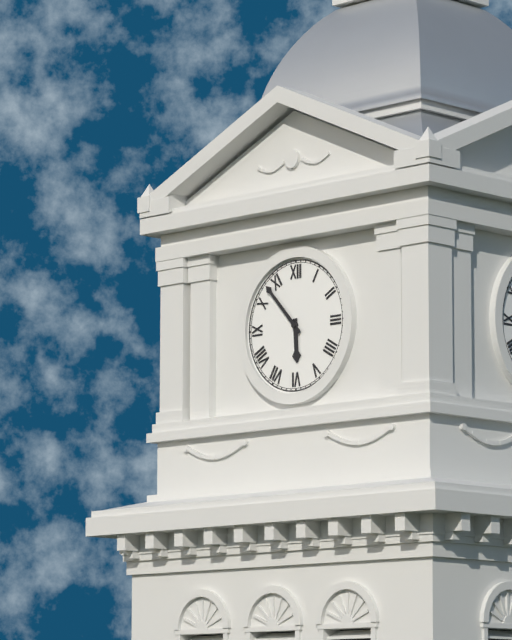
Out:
5,53
